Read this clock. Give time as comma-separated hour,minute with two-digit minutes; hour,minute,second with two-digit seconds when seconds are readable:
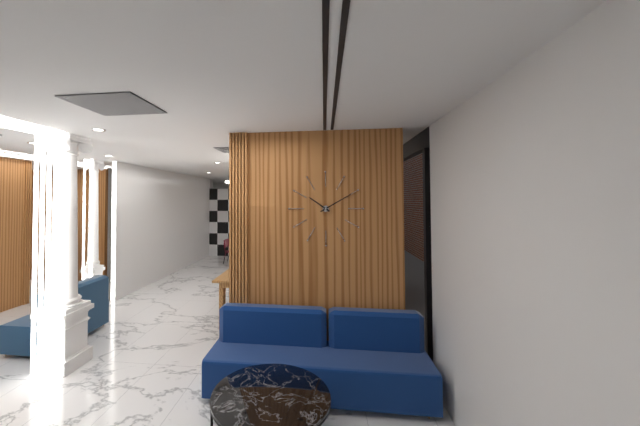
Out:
10,10
